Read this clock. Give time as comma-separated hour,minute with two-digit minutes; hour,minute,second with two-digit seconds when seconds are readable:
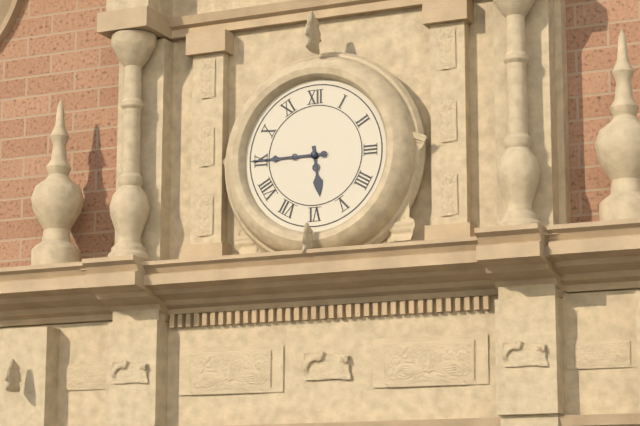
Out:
5,45
